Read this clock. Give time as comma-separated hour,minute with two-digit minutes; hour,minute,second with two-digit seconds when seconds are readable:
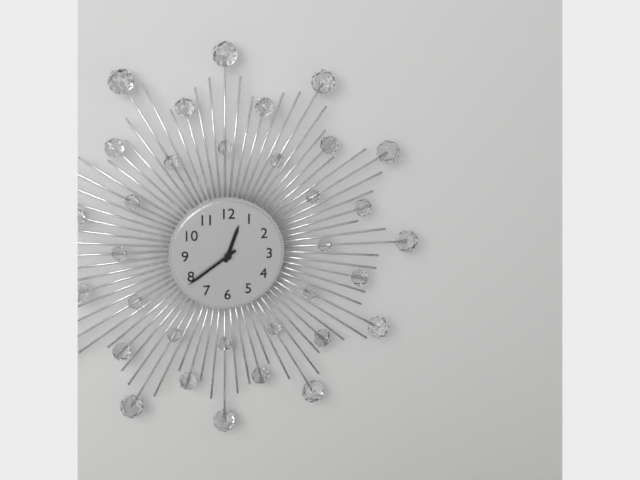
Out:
12,39
